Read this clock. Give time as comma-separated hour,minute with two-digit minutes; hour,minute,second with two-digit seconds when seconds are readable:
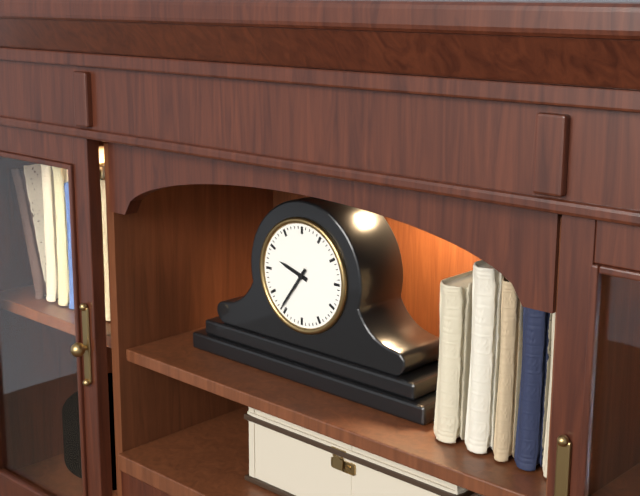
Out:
9,36
